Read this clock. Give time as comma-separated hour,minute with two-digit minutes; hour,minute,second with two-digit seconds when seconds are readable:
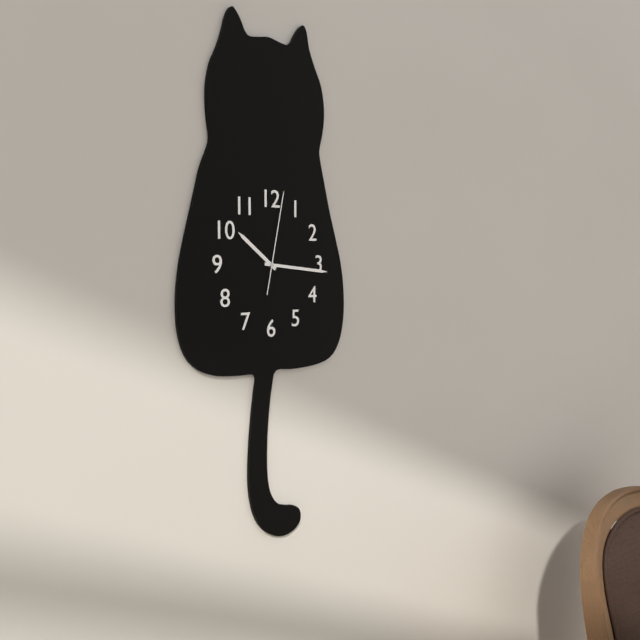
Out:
10,16,02
